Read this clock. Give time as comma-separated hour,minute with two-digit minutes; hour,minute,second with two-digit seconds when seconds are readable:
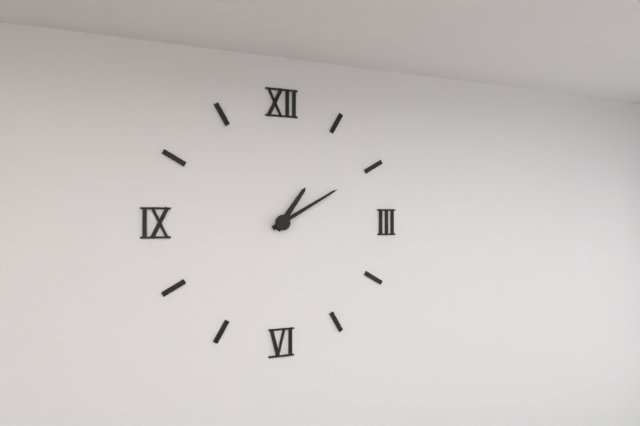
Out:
1,10
